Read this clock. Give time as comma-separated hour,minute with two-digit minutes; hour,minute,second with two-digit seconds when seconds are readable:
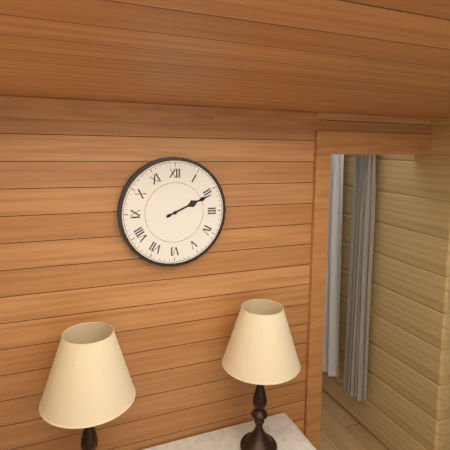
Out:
2,11
